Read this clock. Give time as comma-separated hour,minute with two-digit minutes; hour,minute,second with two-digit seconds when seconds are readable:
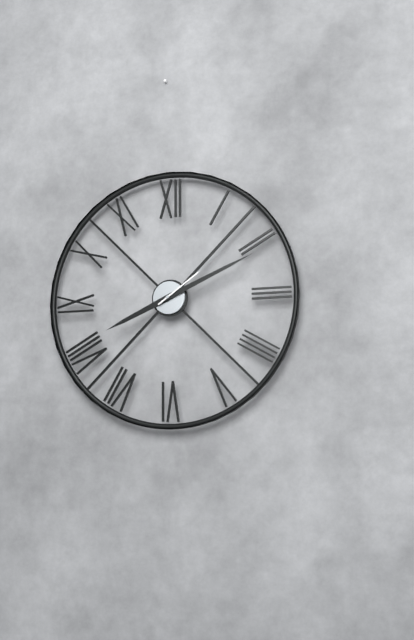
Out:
8,11,09
